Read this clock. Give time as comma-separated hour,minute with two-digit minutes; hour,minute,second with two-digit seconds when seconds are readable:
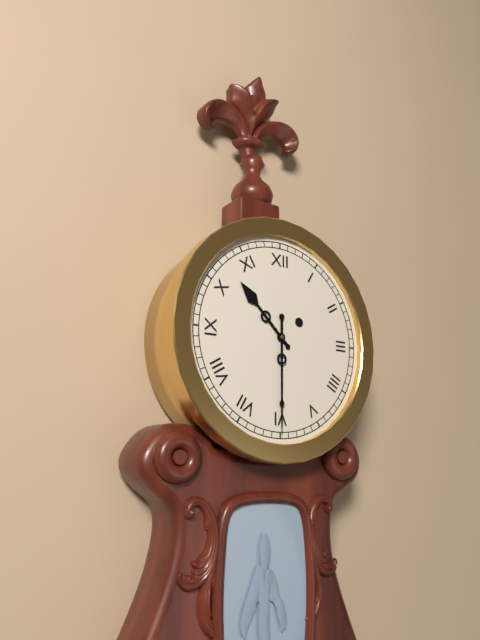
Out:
10,30
